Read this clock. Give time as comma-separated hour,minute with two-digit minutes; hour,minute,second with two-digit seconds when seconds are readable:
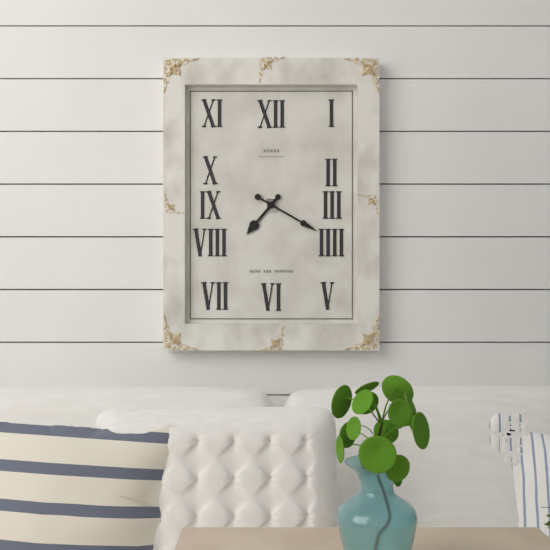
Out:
7,20
